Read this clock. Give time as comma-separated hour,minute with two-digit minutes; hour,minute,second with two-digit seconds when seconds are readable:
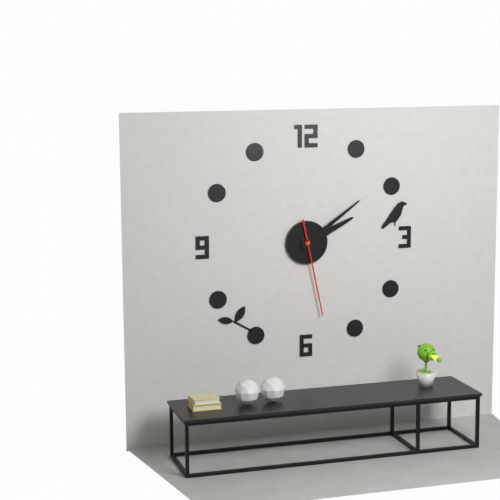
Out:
2,09,28
